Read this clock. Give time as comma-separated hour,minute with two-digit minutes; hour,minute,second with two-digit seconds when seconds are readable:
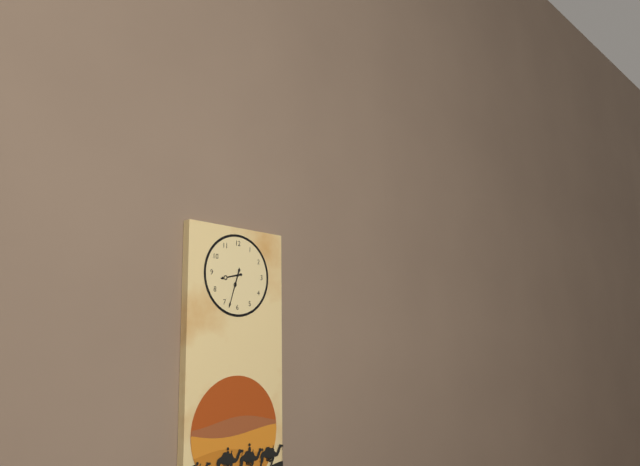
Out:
8,33
